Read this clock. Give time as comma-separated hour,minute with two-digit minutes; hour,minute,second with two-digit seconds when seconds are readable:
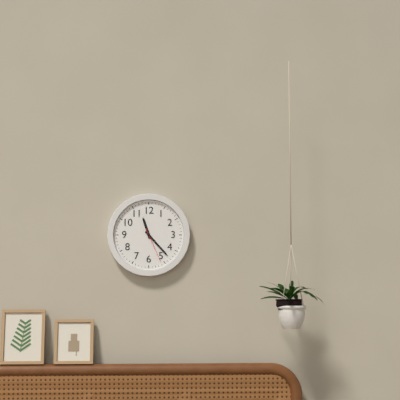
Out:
11,23
